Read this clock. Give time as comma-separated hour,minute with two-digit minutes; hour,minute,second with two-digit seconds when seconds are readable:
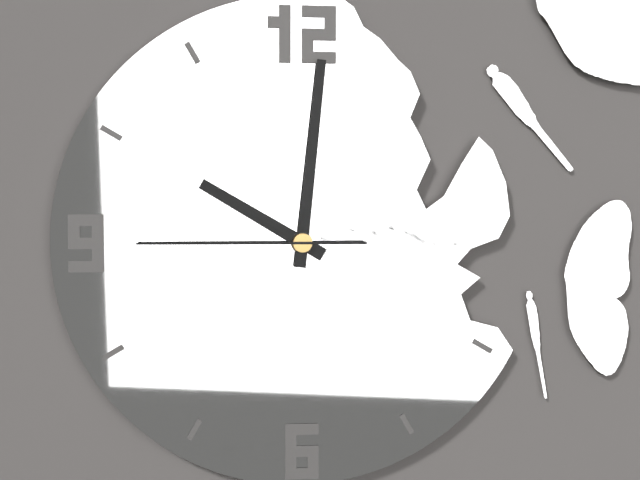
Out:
10,01,45
